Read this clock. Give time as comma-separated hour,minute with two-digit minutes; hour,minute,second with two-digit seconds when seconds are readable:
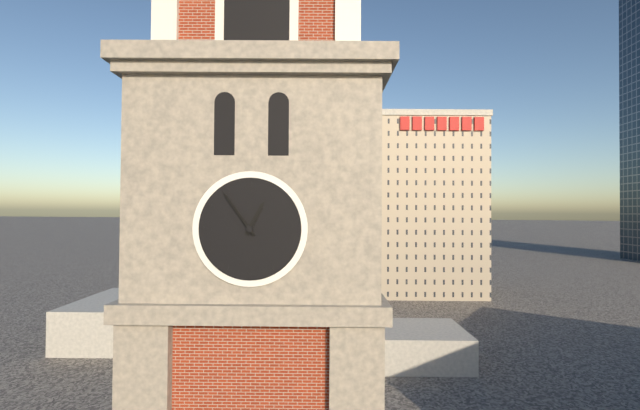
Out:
12,54
